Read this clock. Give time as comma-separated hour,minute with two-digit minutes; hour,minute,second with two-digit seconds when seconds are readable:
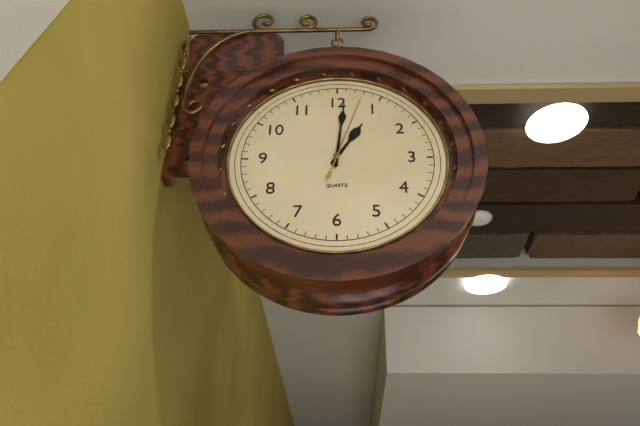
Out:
1,01,03
